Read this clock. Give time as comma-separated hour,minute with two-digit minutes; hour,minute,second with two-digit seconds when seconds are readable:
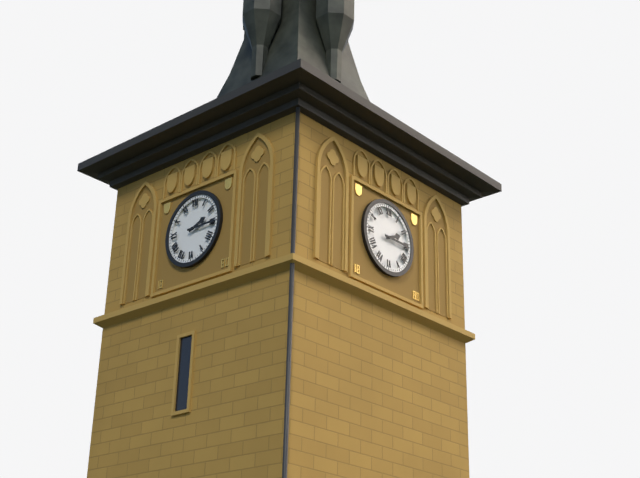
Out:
2,15
